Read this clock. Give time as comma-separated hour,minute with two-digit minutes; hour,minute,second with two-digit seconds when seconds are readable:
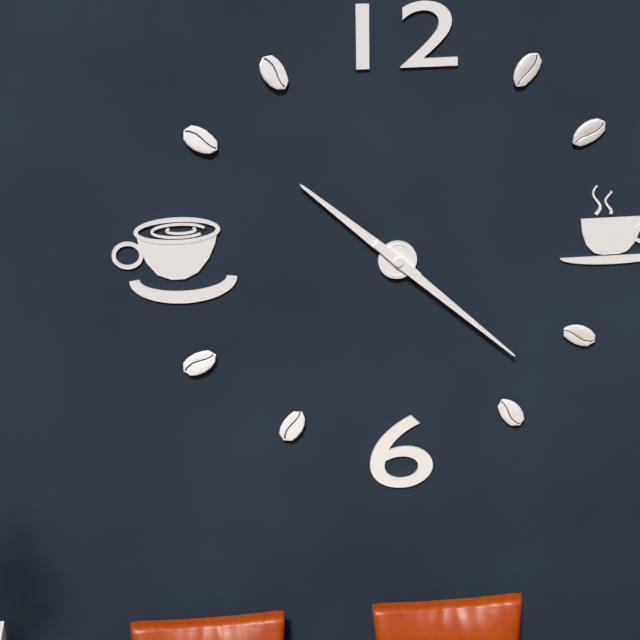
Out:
10,22
